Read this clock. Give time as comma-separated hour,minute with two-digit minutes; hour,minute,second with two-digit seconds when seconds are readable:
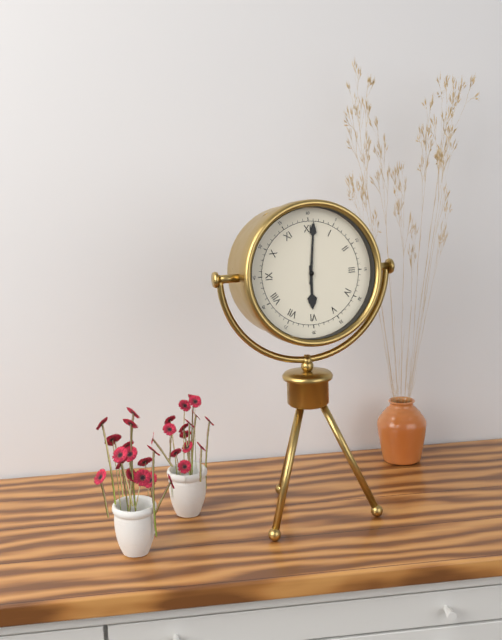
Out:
6,01
